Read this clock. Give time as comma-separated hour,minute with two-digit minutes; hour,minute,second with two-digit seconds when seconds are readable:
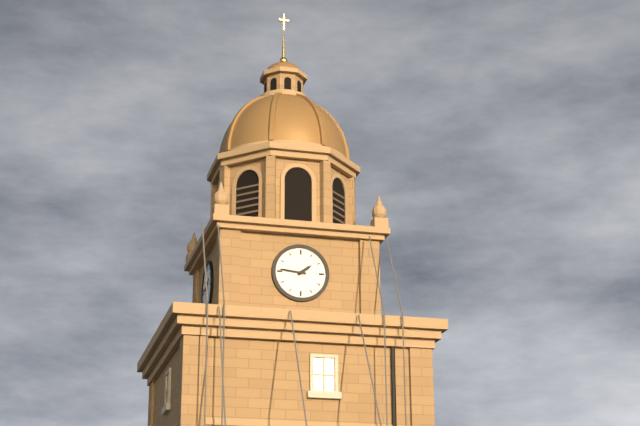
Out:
1,46
